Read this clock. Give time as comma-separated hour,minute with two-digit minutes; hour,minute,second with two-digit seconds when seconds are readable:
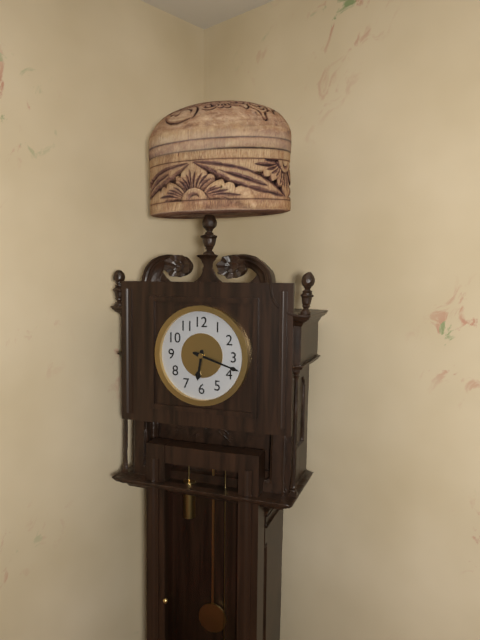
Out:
6,18
